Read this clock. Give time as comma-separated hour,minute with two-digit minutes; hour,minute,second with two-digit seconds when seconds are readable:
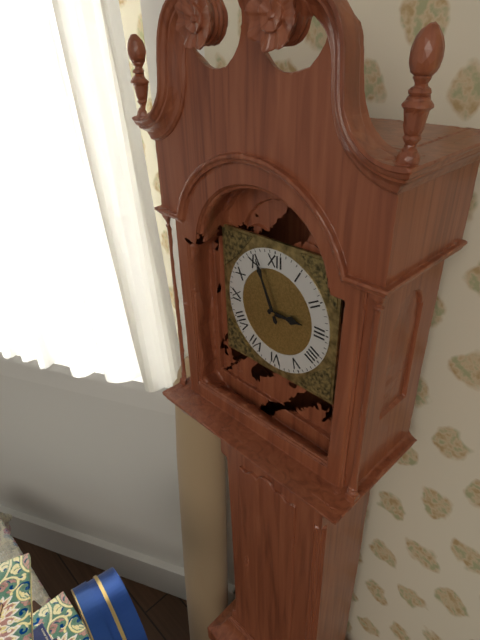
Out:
2,56
